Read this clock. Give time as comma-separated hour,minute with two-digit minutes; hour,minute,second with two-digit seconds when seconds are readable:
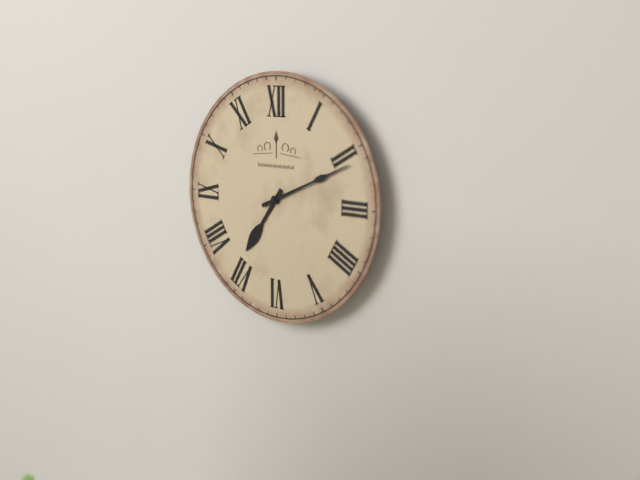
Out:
7,11
